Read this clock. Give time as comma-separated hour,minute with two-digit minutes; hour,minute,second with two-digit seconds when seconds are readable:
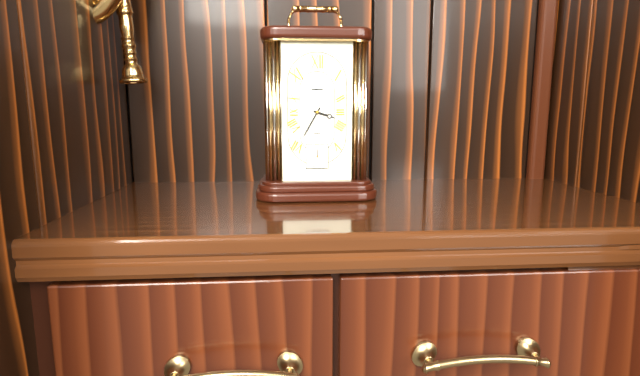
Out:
3,35
